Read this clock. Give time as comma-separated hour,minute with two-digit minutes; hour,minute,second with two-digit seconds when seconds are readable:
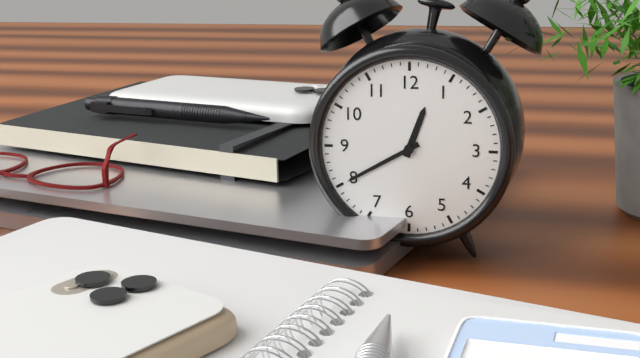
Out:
12,40
